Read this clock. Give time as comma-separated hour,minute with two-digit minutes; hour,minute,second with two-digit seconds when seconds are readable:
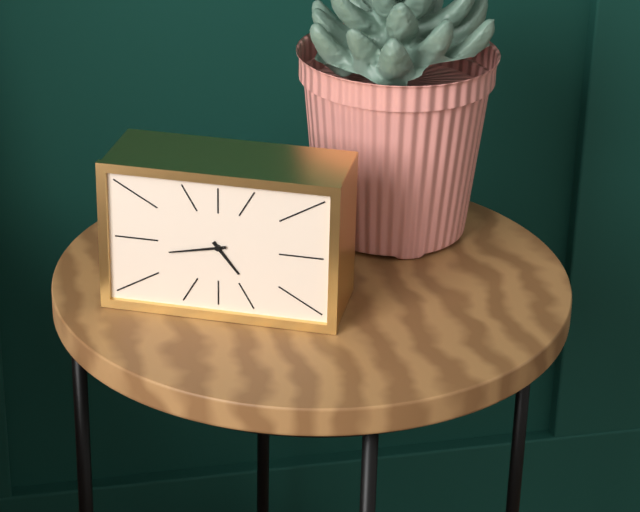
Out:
4,43
